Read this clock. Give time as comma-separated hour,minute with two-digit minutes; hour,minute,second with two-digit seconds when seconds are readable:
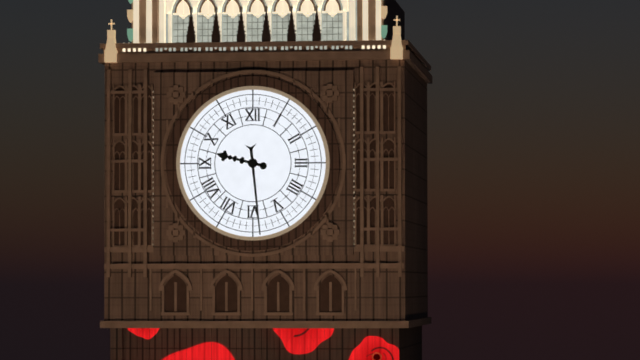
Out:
9,29
